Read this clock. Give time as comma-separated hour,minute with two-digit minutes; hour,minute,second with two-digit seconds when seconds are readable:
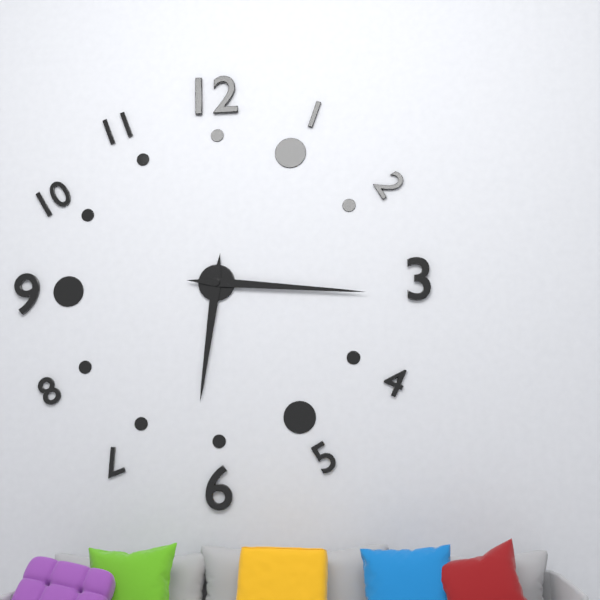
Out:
6,16
